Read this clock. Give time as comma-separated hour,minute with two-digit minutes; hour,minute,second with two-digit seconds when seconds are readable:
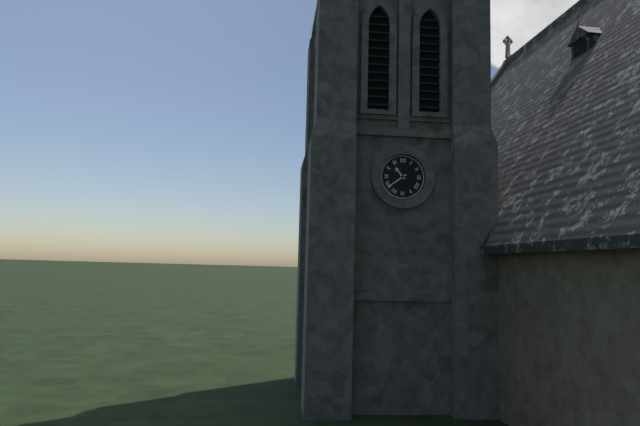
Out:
10,39
